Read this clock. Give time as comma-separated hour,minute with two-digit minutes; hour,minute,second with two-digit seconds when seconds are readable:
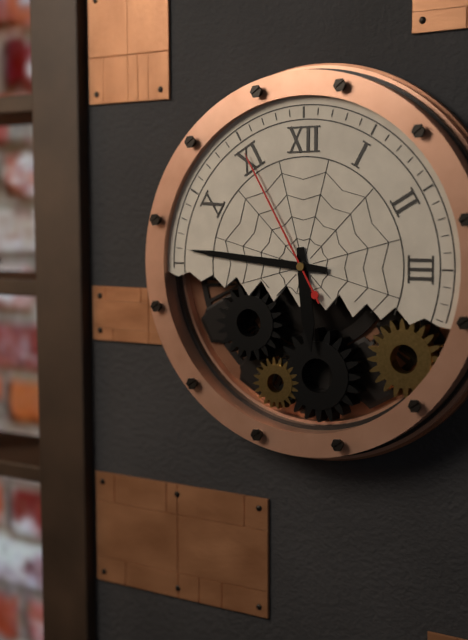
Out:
5,46,55
